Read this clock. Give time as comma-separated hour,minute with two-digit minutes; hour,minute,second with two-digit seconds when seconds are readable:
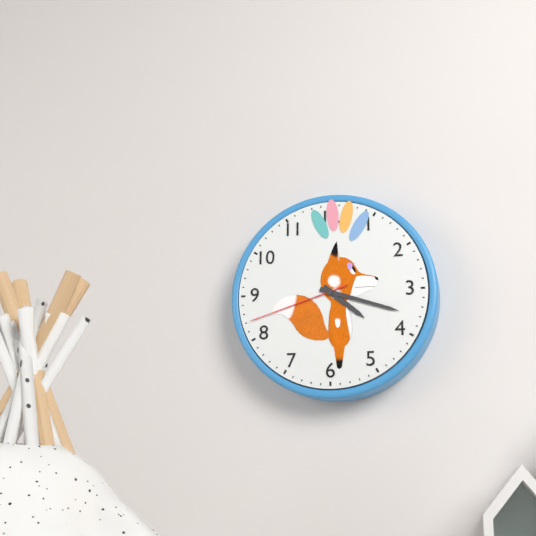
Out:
4,18,42
